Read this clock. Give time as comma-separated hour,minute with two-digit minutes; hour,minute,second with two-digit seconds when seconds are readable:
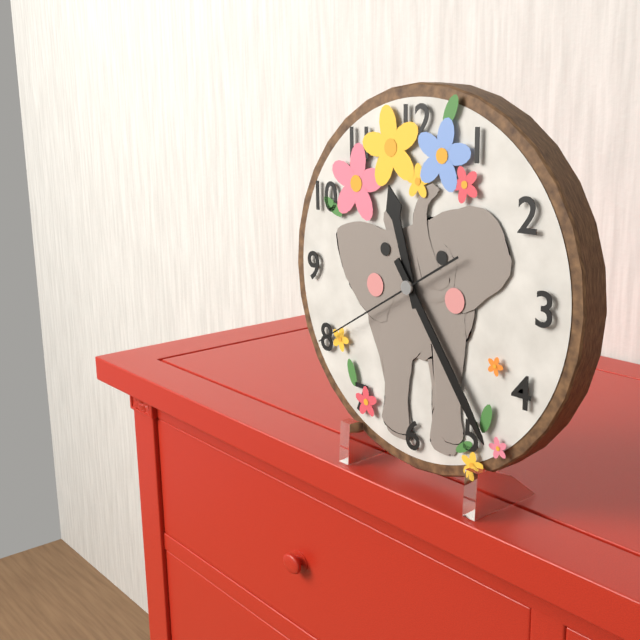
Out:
11,24,40
